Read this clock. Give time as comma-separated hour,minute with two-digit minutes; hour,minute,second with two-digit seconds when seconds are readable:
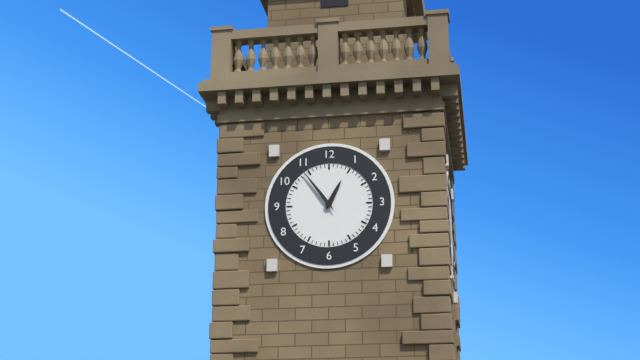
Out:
12,54
